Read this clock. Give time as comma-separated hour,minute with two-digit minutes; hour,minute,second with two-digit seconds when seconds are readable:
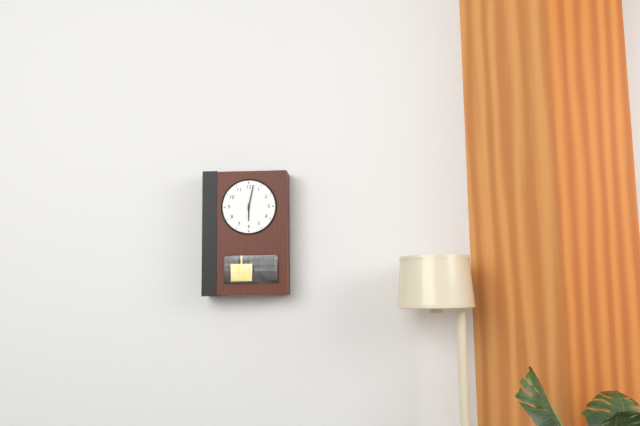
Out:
6,02
